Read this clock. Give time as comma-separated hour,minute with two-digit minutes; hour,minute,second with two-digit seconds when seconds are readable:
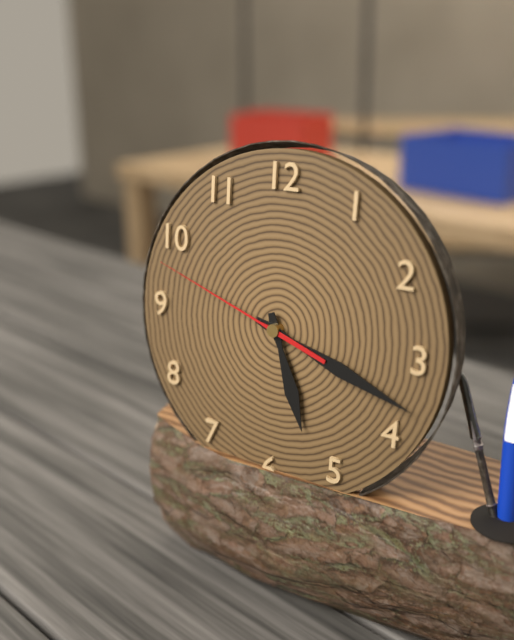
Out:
5,18,48
